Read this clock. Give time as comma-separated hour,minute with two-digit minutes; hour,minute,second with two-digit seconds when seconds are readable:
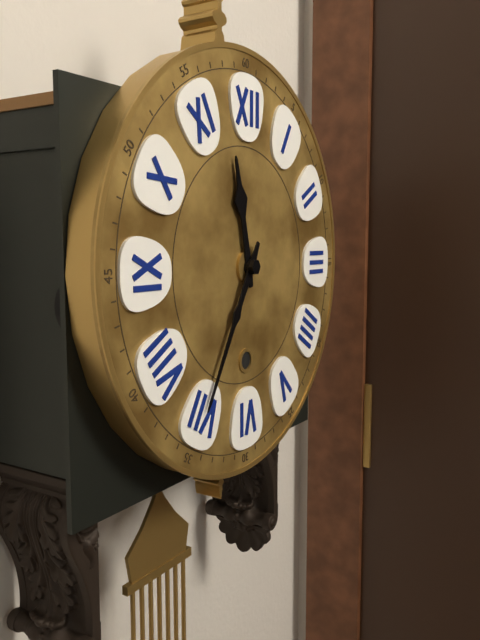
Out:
11,35
